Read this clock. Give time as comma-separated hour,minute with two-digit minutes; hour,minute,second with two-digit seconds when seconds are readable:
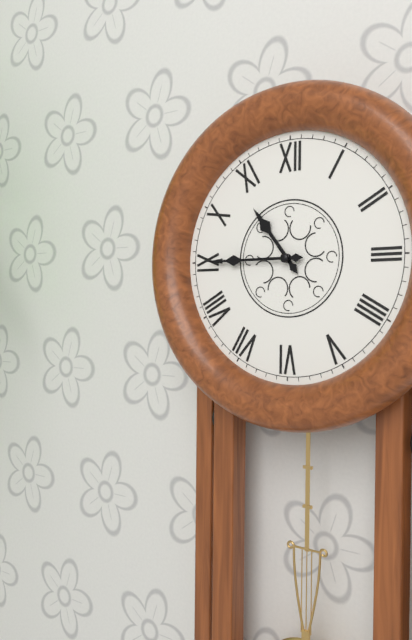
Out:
10,45
